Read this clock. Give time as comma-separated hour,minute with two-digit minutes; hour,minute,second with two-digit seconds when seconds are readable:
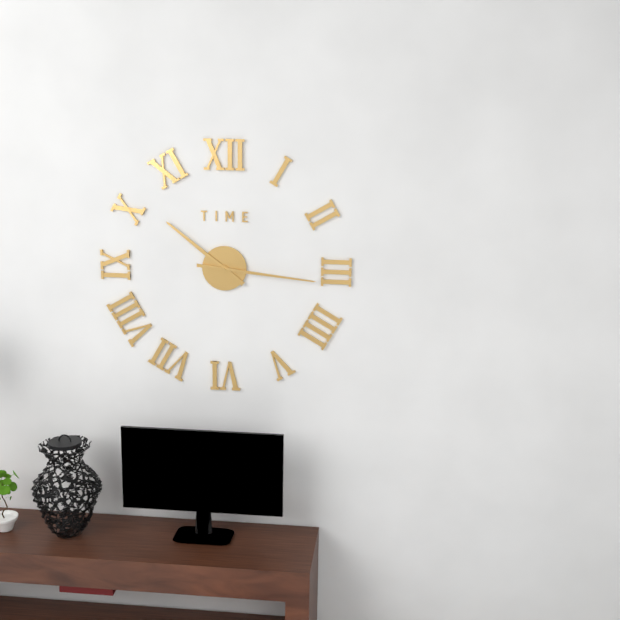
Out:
10,16
